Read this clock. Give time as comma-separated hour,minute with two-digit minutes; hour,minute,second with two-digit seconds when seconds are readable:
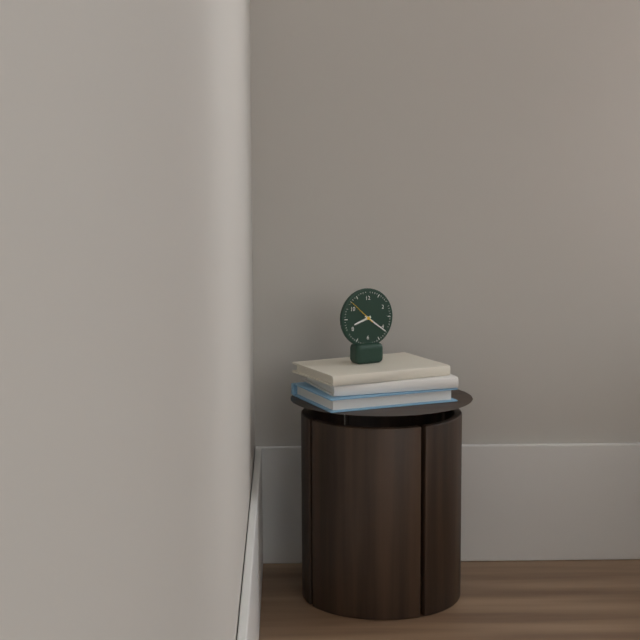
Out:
8,21
